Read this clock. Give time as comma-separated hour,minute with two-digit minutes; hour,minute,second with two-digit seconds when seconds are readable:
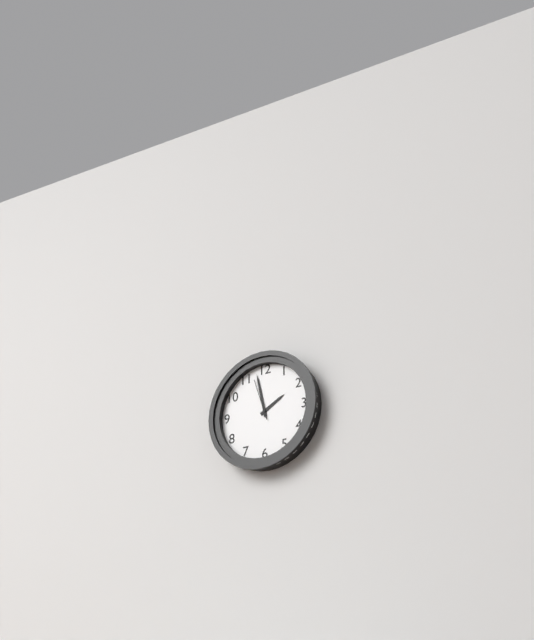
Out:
1,58
